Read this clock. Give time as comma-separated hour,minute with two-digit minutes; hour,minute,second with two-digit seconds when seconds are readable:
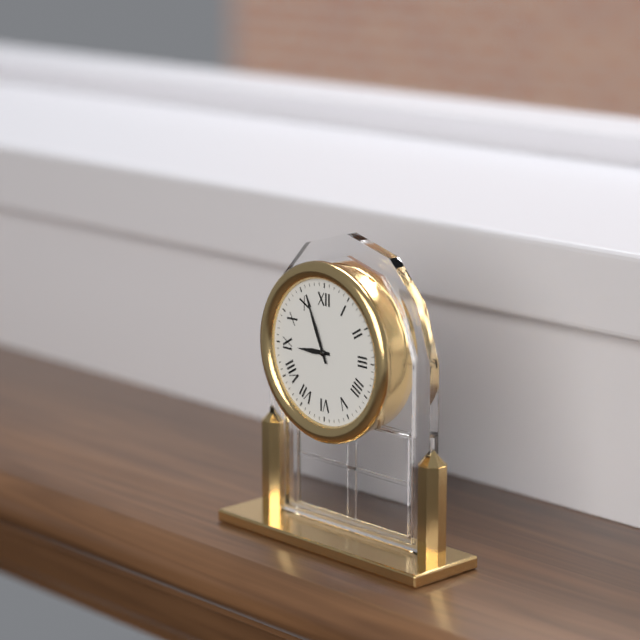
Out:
8,56
